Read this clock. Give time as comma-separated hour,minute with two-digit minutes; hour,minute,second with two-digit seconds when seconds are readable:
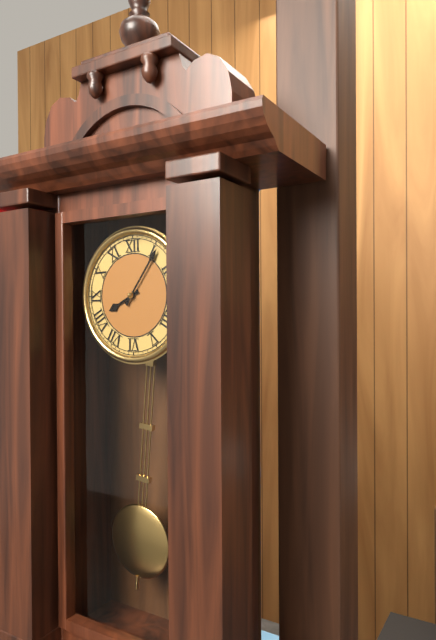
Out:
8,06
